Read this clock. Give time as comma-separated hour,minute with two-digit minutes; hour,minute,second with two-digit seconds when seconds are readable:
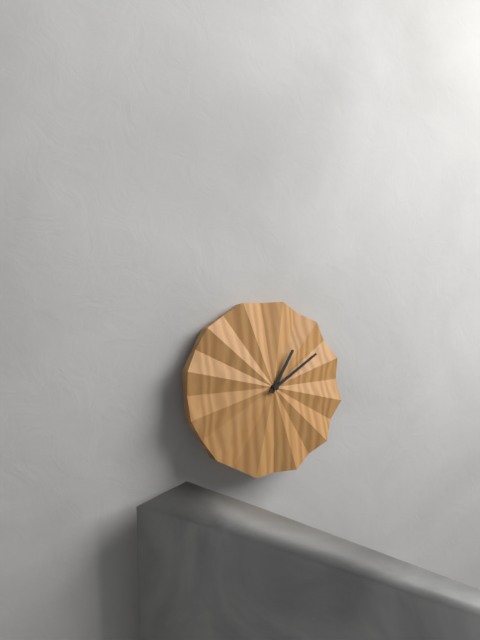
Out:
1,10
